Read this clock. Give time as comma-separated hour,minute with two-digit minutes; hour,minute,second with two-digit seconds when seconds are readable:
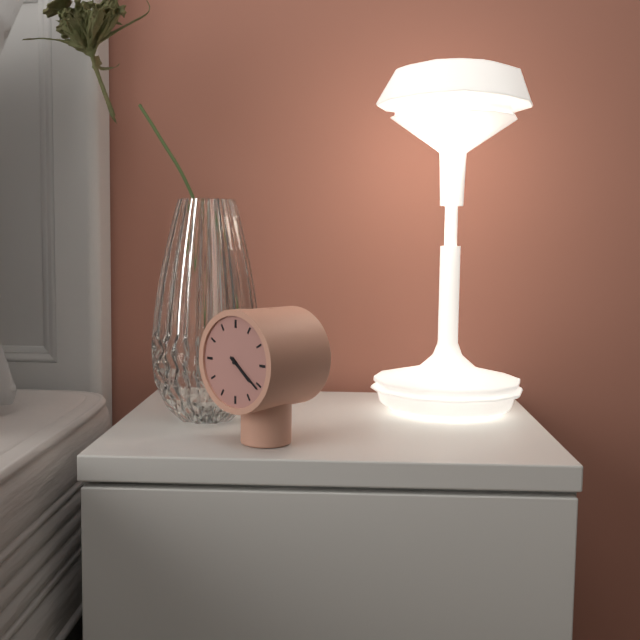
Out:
4,21
